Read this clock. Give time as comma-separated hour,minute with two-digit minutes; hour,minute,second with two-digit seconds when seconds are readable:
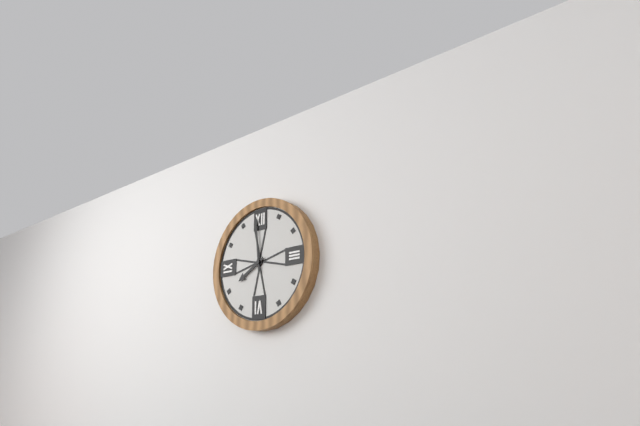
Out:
7,59
